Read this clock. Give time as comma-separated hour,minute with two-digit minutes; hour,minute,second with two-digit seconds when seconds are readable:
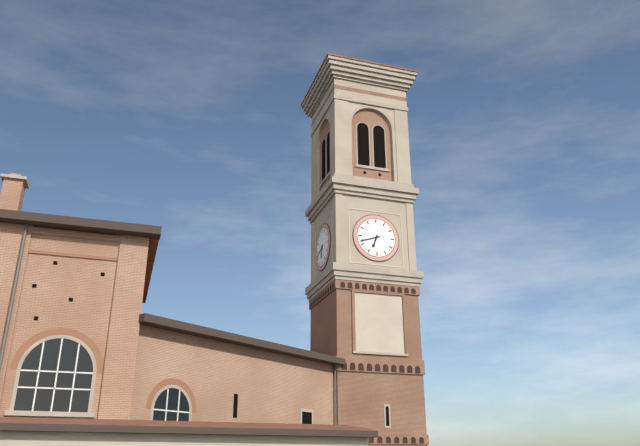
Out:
6,42
